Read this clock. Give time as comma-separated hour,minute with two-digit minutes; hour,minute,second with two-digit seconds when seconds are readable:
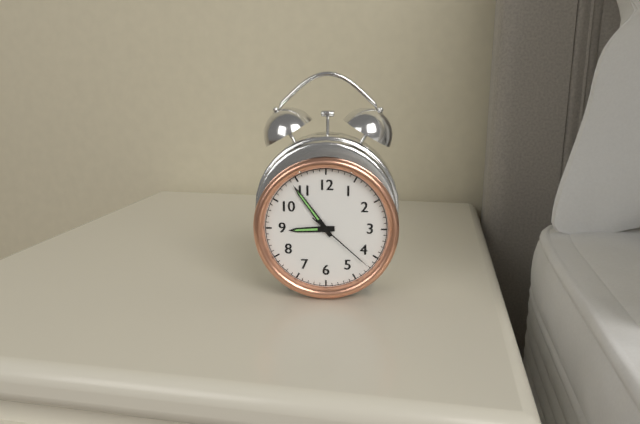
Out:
8,54,22
